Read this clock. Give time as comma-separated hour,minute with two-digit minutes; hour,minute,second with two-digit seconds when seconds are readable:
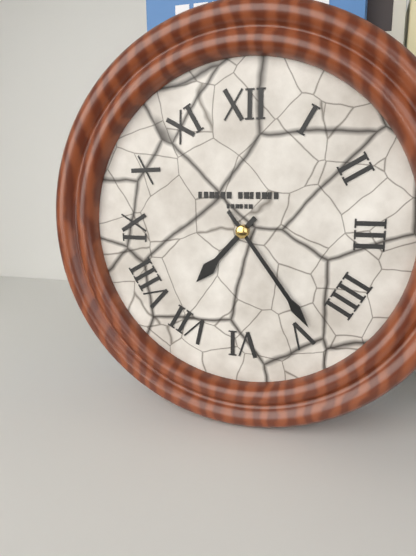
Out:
7,24
